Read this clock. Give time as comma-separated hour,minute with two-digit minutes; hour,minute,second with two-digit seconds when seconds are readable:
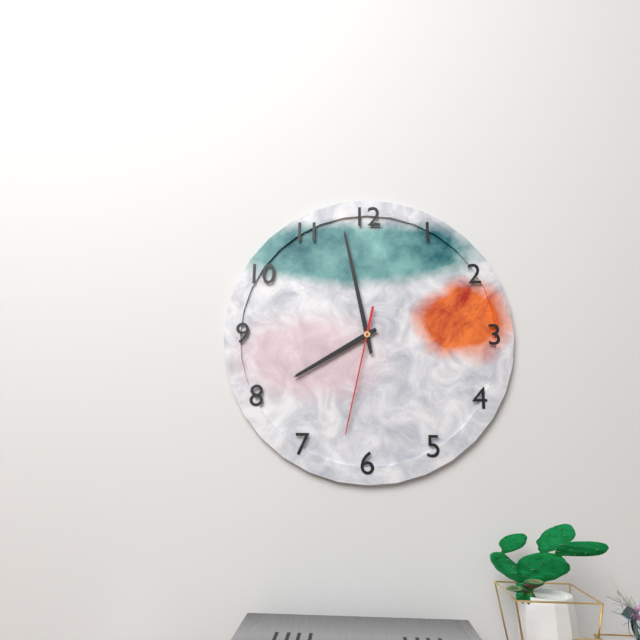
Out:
7,58,32
